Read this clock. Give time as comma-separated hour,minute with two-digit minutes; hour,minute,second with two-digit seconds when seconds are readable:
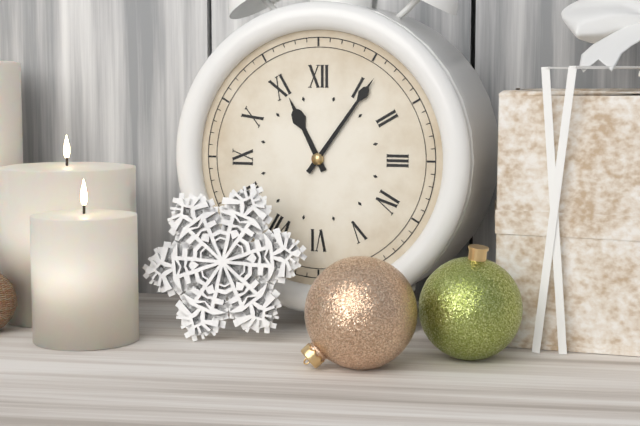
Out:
11,06
